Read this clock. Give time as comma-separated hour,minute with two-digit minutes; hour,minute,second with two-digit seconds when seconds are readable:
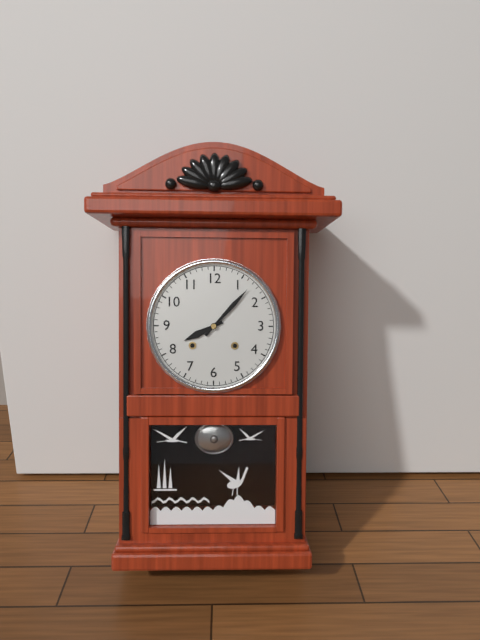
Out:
8,07
